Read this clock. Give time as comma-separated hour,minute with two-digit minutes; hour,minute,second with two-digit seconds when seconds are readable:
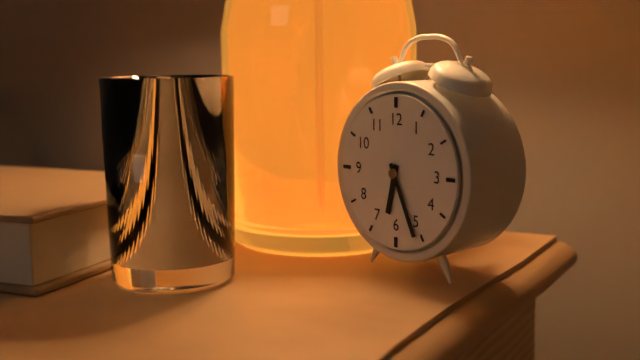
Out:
6,26
